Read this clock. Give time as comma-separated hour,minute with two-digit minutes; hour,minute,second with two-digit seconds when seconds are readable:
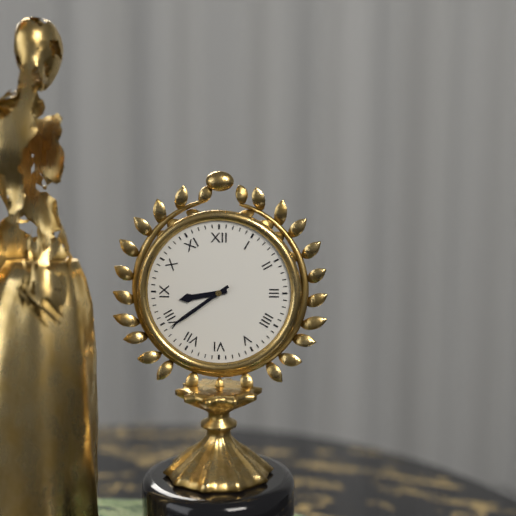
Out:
8,39
